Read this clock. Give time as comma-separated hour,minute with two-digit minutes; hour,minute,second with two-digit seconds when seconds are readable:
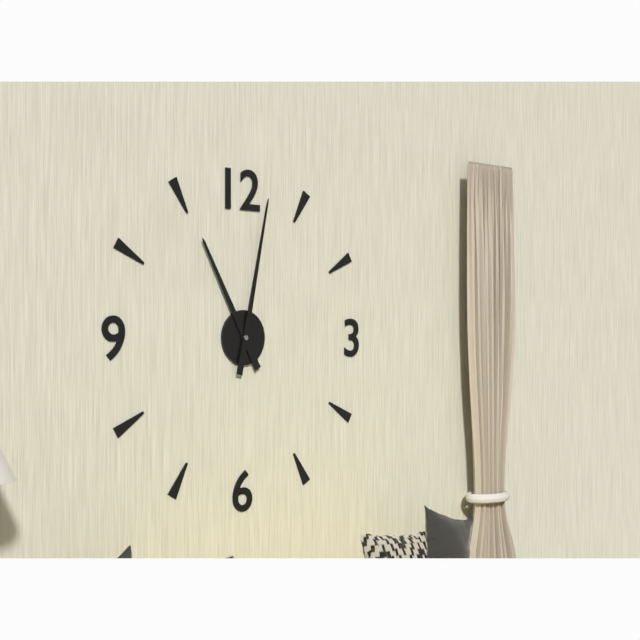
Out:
11,02
